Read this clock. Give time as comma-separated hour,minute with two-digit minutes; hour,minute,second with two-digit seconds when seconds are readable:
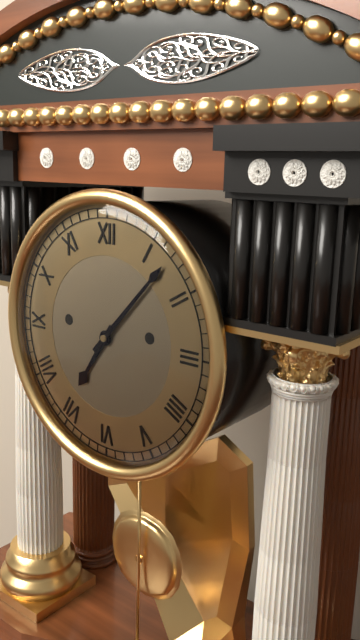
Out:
7,07
